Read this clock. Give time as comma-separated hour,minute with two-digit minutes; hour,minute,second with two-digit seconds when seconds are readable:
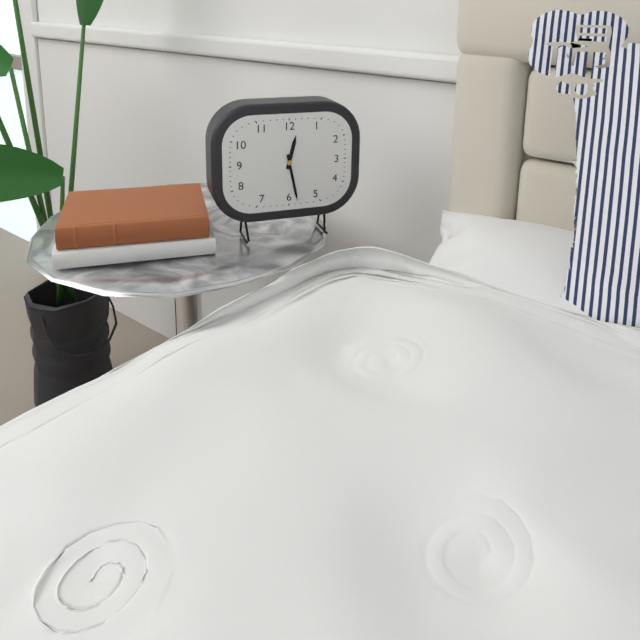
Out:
12,28
